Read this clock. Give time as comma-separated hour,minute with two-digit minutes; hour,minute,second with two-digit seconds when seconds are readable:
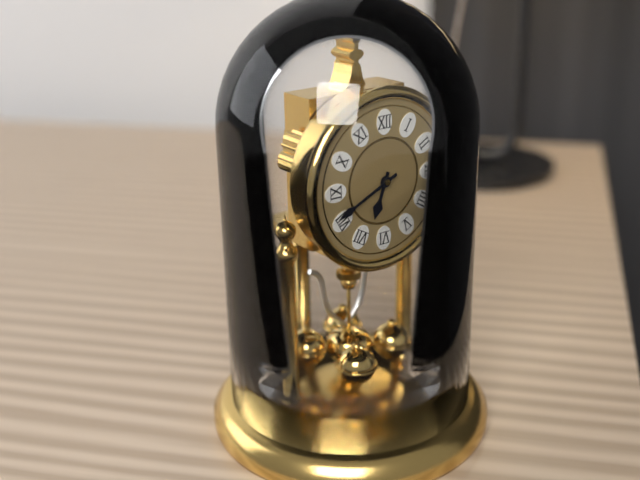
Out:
6,41
